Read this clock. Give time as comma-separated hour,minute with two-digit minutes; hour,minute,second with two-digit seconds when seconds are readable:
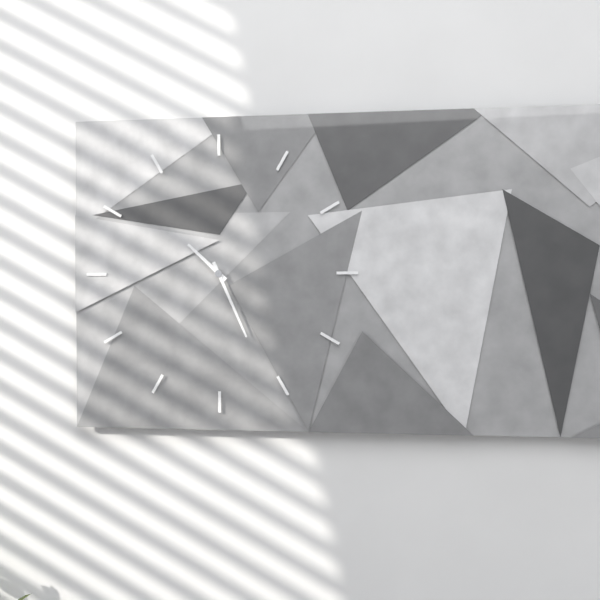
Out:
10,26
